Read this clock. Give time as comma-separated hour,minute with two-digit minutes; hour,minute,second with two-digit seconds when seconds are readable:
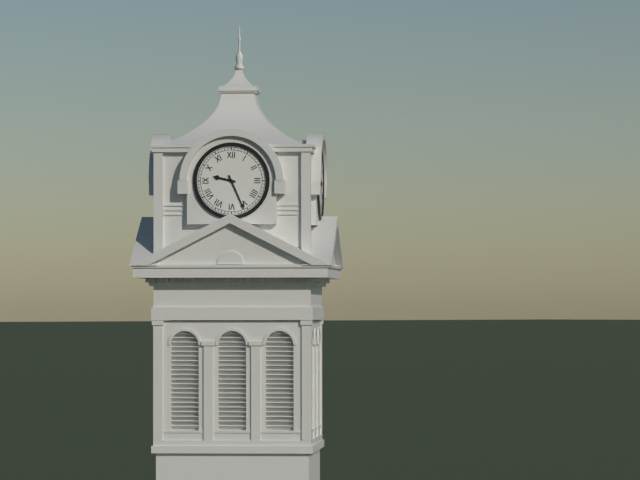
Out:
9,26
